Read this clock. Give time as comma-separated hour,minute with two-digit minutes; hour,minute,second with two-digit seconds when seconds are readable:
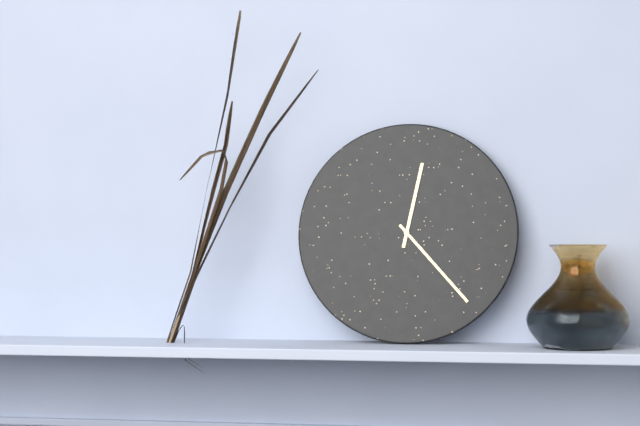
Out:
12,23
